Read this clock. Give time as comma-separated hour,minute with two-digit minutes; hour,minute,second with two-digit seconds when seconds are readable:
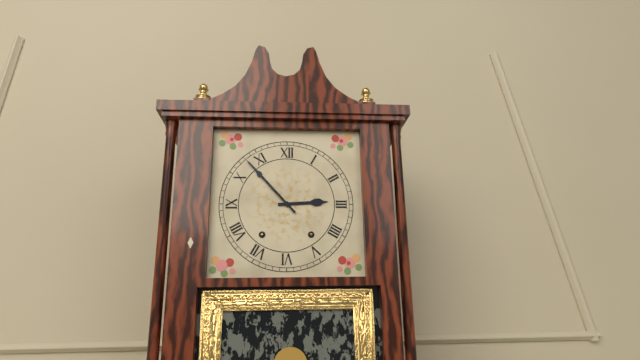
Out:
2,53
